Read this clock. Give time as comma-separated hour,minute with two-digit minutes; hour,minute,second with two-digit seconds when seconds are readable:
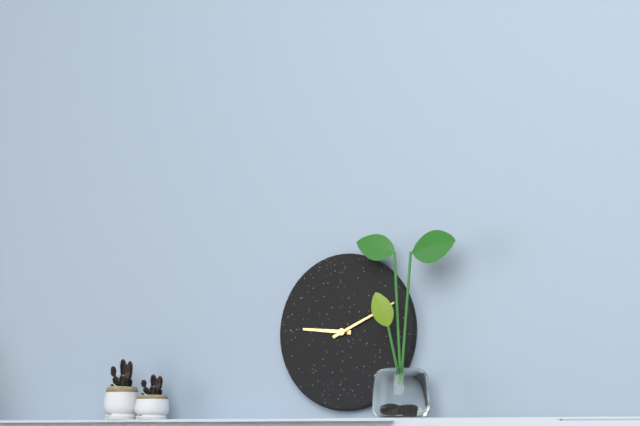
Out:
9,11
